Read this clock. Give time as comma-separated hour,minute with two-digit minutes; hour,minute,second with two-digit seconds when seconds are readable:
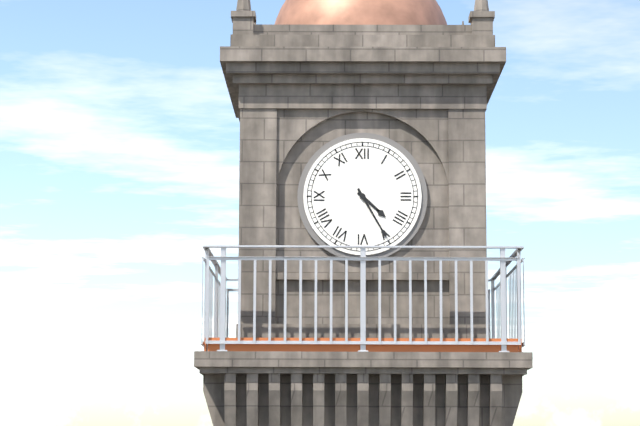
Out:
4,25
